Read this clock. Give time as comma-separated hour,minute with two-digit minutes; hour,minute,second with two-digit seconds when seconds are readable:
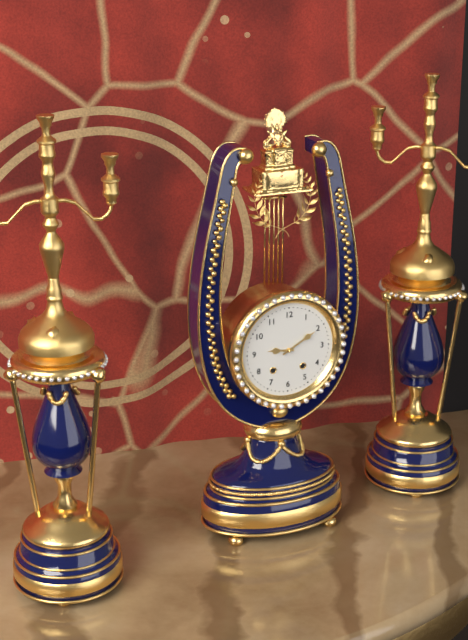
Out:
9,10
